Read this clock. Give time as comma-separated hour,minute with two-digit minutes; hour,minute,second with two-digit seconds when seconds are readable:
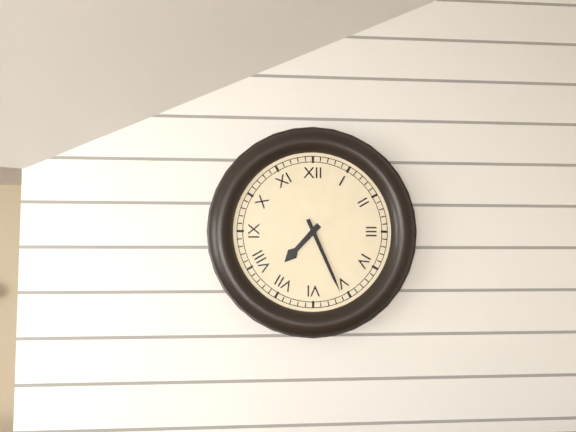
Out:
7,26
